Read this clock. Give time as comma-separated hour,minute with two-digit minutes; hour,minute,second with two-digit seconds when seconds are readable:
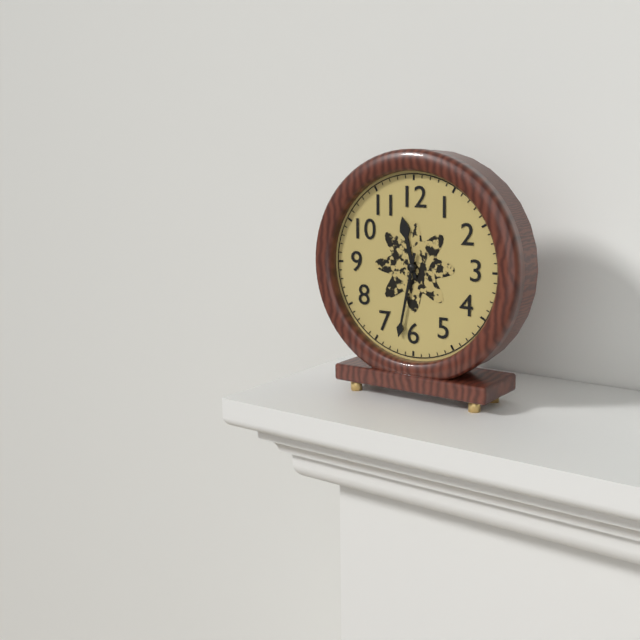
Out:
11,32
